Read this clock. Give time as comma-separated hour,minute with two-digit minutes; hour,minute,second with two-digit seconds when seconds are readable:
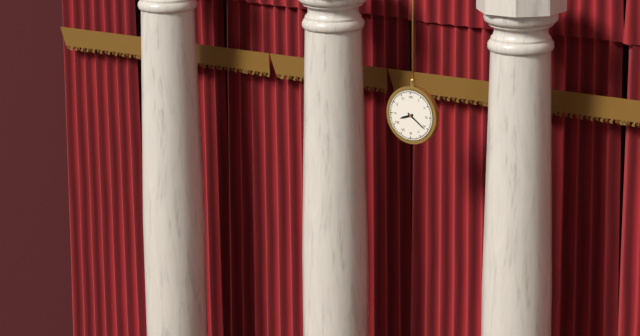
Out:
8,21
